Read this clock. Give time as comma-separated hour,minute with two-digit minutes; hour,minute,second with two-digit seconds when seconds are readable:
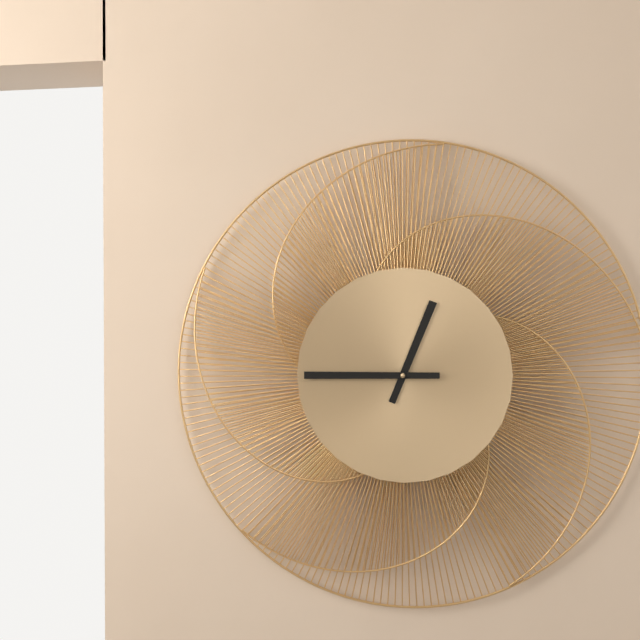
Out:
12,45
